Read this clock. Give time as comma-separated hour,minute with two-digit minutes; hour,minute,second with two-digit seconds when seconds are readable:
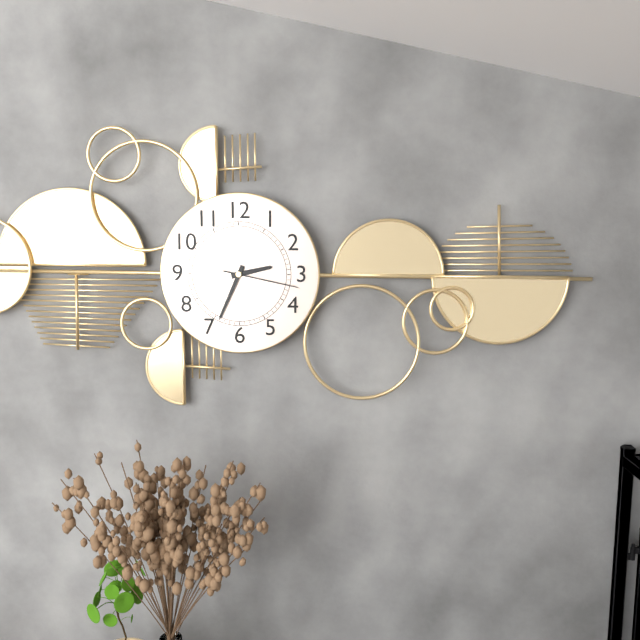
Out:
2,34,17
